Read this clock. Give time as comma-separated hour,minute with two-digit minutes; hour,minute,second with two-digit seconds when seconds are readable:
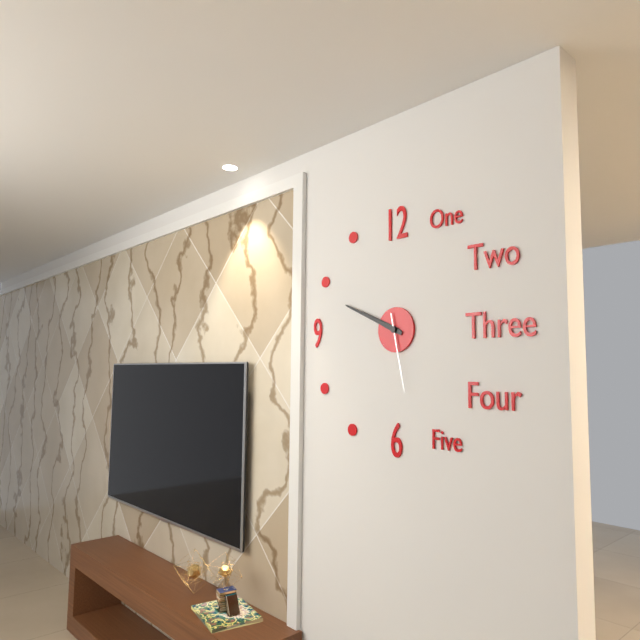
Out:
9,49,28
